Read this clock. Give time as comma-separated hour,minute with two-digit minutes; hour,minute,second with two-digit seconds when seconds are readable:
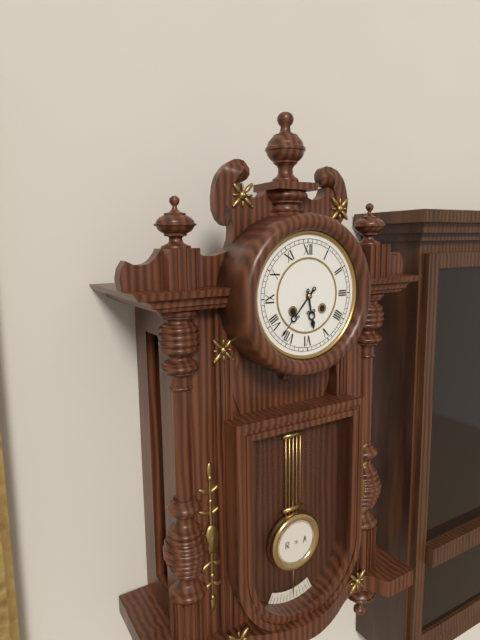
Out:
5,37
